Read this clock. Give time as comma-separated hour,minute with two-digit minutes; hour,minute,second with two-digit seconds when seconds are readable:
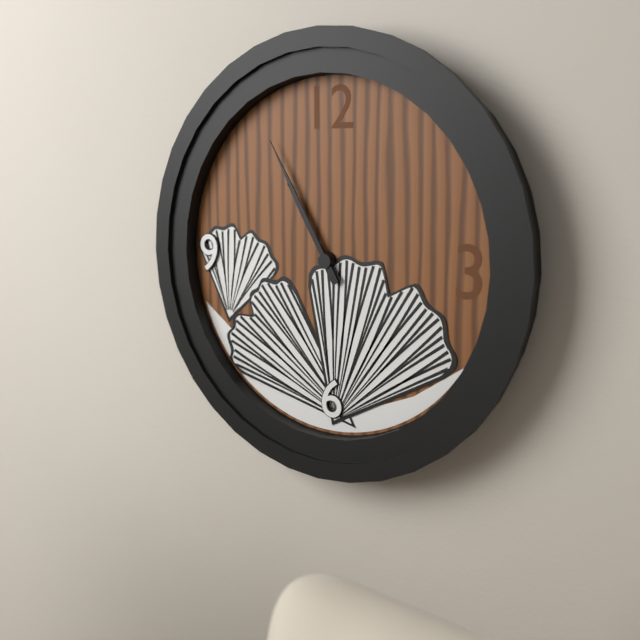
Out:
10,55
